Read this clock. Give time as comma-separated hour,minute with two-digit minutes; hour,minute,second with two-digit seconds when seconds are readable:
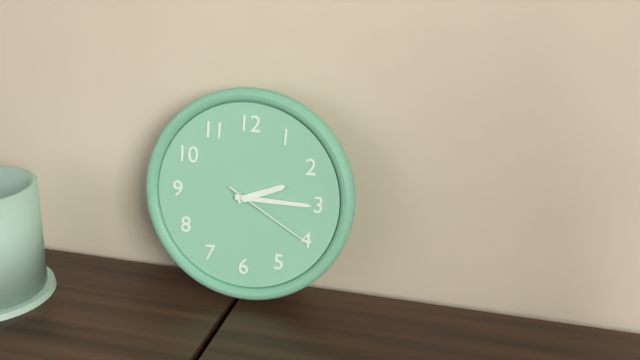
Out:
2,15,20
